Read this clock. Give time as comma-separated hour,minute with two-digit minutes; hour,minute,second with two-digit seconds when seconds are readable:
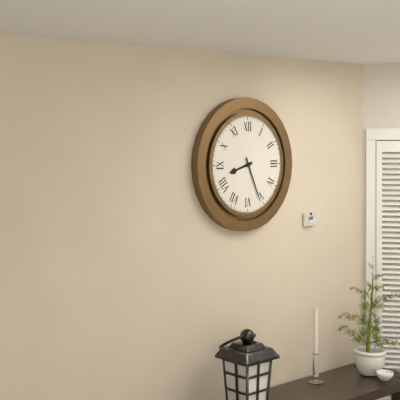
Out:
8,26
